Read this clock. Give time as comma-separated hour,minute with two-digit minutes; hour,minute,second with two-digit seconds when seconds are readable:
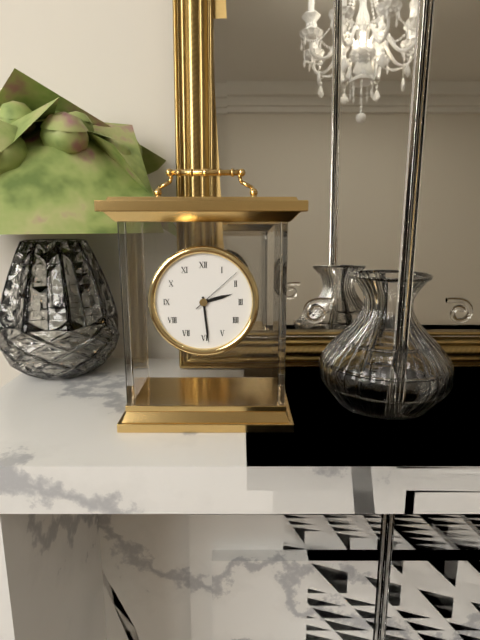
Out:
2,29,08
